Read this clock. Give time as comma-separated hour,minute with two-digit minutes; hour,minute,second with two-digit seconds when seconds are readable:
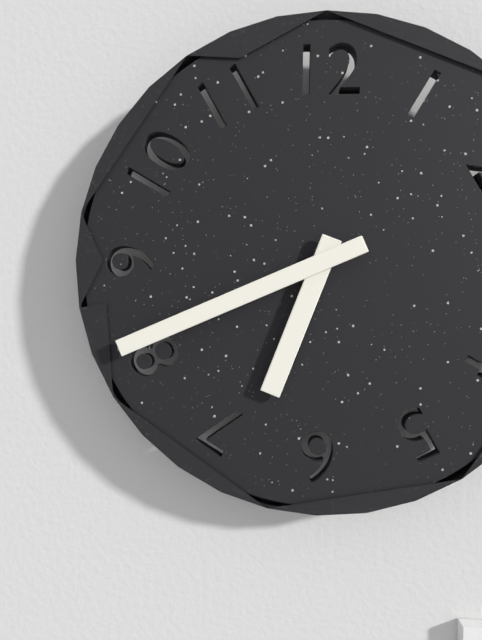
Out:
6,41
